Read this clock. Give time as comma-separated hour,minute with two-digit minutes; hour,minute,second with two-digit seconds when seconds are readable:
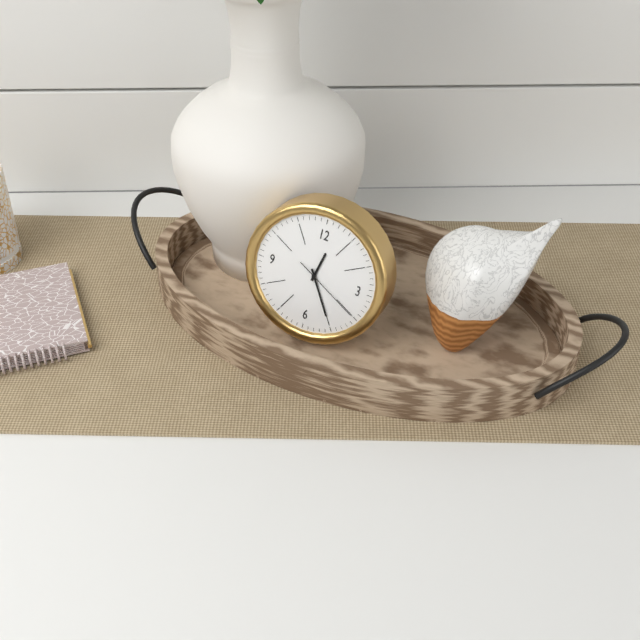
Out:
12,25,20
